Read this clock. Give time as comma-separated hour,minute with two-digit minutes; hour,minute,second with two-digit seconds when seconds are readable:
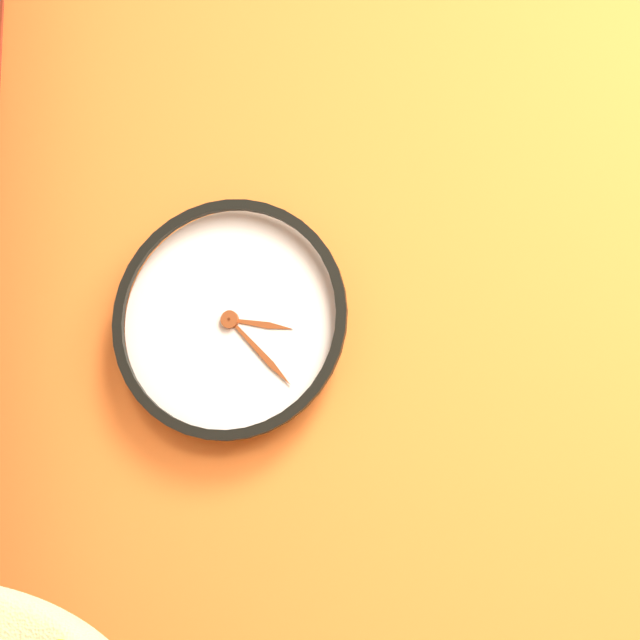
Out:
3,23
